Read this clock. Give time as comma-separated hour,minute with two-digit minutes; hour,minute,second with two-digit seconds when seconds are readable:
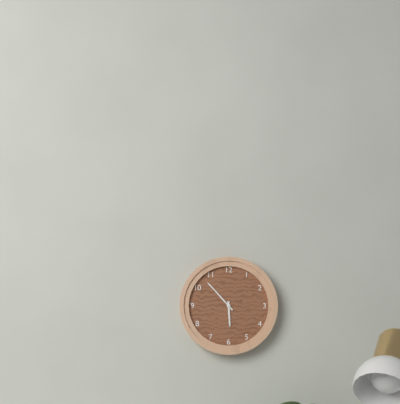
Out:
5,53
